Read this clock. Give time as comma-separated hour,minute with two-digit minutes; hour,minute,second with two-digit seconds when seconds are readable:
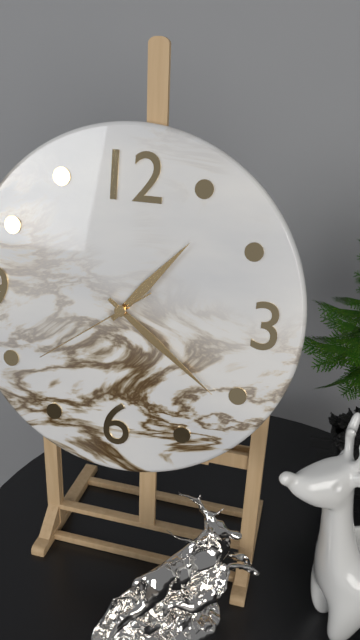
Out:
1,21,39
